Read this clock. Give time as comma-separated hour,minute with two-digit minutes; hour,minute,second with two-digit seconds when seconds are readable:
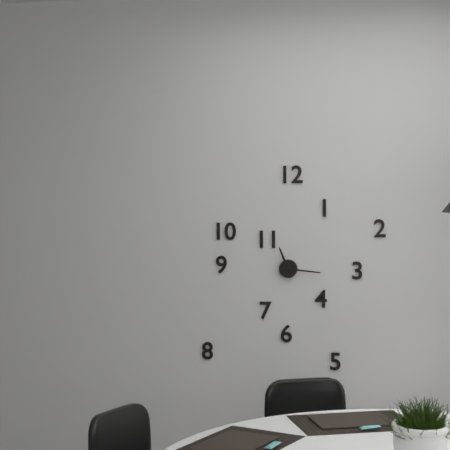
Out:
11,16
